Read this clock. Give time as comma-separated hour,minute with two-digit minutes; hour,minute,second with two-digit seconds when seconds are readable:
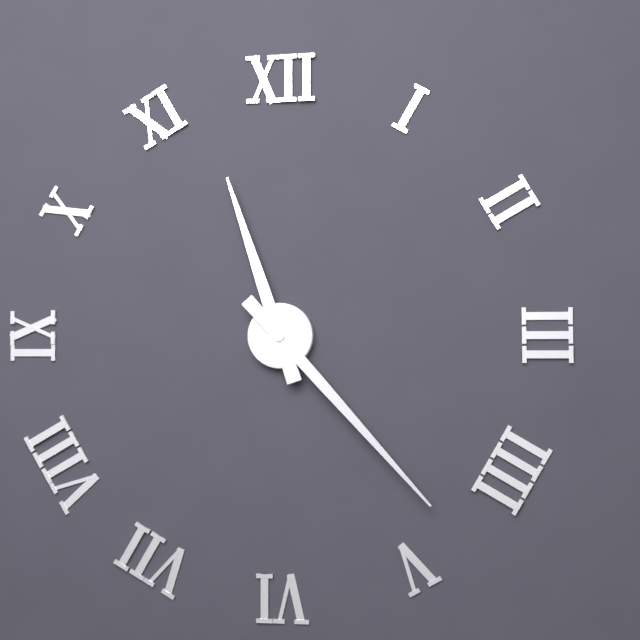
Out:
11,23
